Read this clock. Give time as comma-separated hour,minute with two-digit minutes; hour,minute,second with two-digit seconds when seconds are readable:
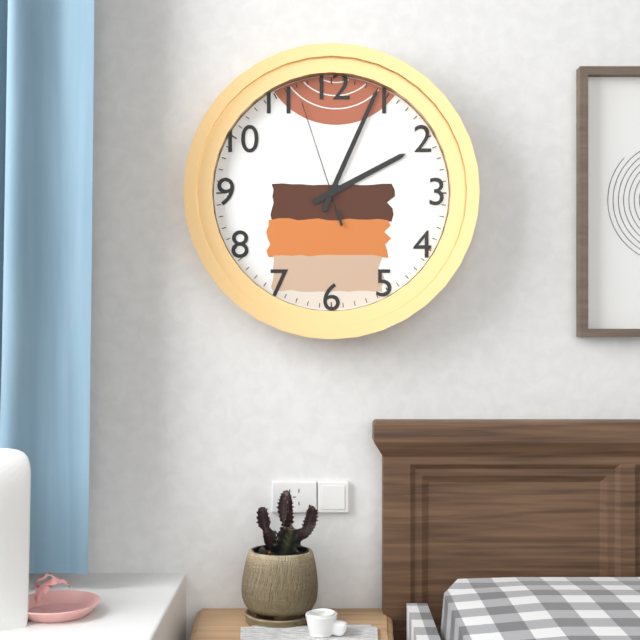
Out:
2,04,57
